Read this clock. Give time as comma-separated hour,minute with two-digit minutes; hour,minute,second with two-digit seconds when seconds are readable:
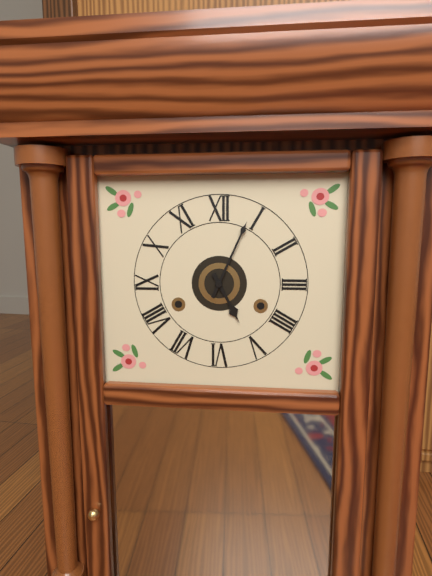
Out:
5,04
